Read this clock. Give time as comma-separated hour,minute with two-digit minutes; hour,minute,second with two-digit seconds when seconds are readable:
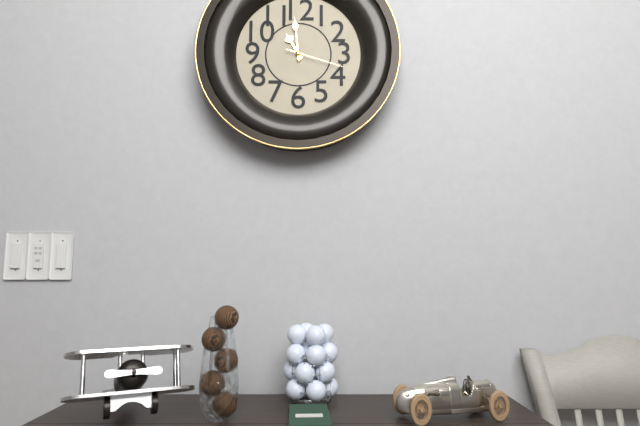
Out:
10,59,18
